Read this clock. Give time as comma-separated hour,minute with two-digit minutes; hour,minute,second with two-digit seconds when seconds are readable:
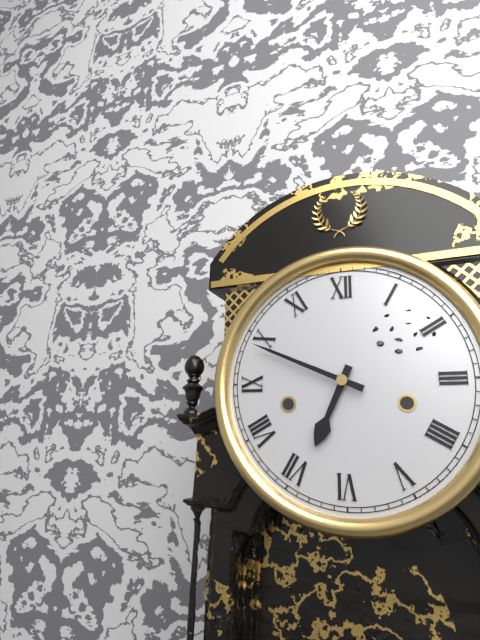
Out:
6,49
